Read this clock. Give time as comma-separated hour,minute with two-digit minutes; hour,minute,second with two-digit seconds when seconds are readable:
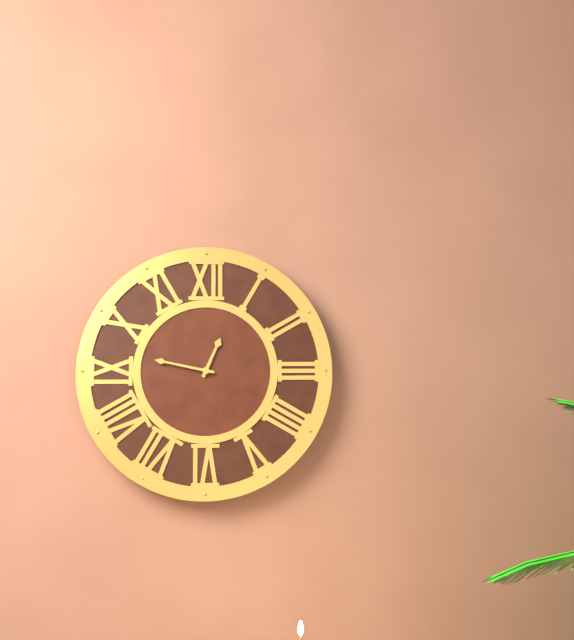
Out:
12,47
